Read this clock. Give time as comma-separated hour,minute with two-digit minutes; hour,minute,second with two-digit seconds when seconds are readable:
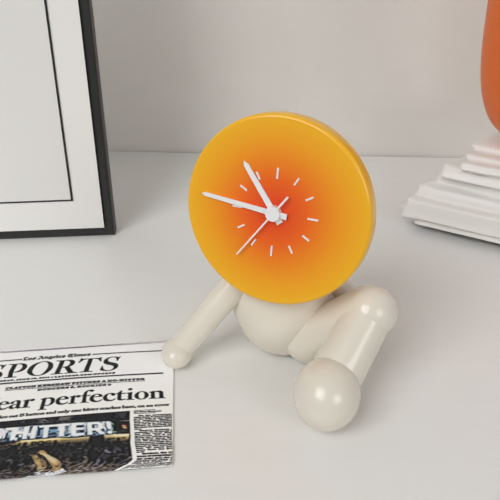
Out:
10,46,36
